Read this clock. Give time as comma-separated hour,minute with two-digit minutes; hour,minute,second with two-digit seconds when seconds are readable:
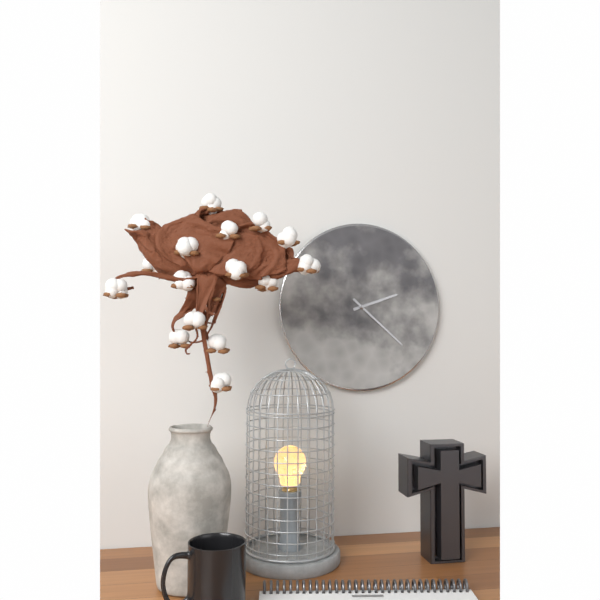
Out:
2,22
